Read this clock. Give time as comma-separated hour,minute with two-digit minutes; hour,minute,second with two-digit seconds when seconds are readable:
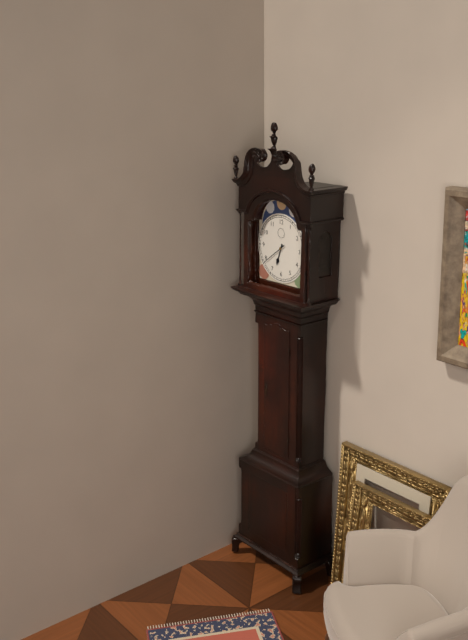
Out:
6,39
